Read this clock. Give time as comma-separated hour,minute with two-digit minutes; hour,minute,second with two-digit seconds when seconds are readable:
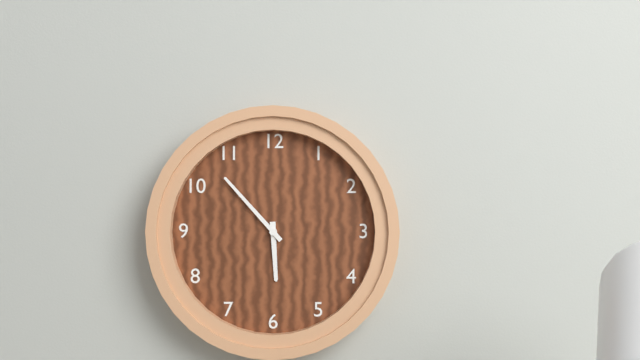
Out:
5,53
